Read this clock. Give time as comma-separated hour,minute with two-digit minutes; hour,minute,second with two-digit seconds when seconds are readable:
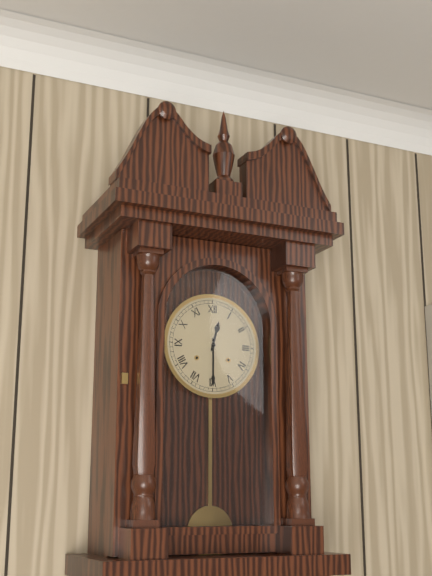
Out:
12,30
